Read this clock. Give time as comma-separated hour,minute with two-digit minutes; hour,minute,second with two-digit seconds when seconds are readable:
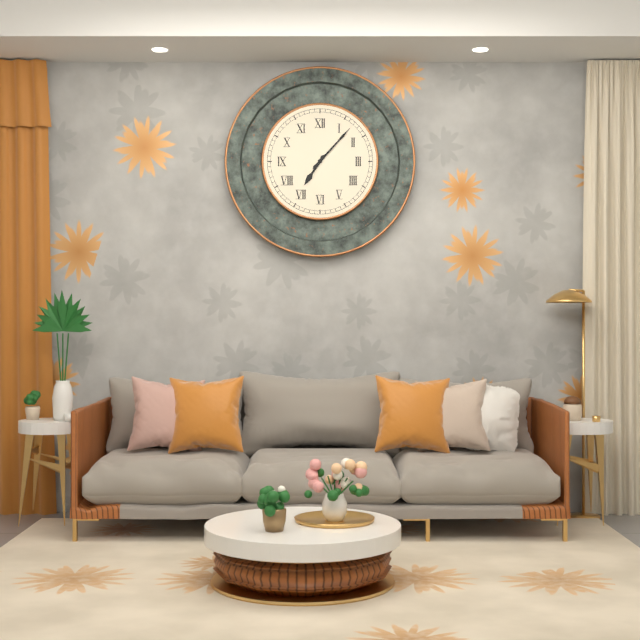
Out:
7,07
